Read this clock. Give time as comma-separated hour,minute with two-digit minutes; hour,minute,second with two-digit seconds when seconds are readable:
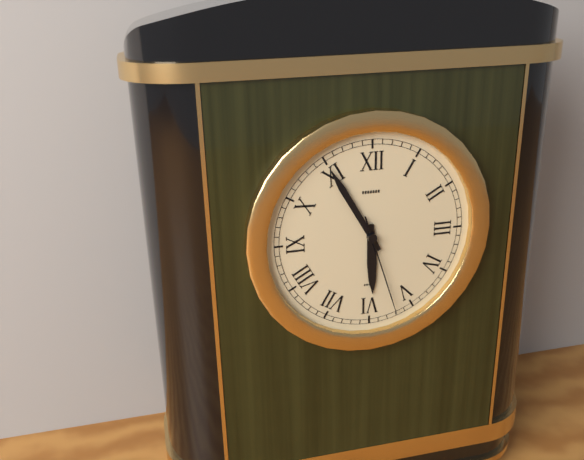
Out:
5,55,27
